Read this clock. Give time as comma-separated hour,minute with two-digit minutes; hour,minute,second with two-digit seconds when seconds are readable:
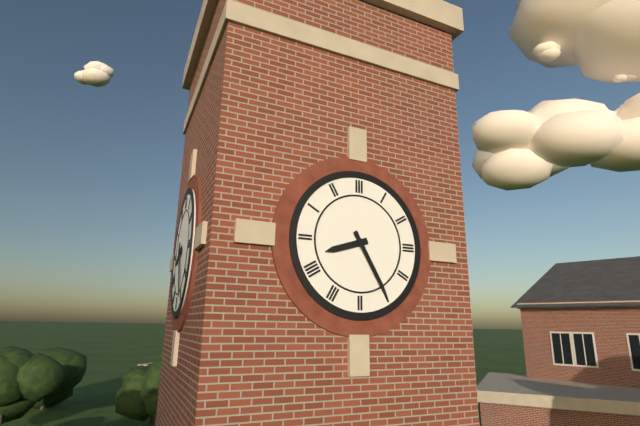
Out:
8,25
